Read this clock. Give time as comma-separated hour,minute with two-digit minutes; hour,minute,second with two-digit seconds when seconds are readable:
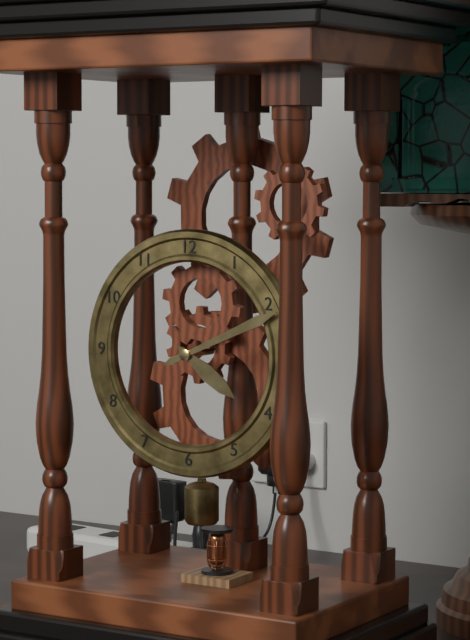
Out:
4,11
